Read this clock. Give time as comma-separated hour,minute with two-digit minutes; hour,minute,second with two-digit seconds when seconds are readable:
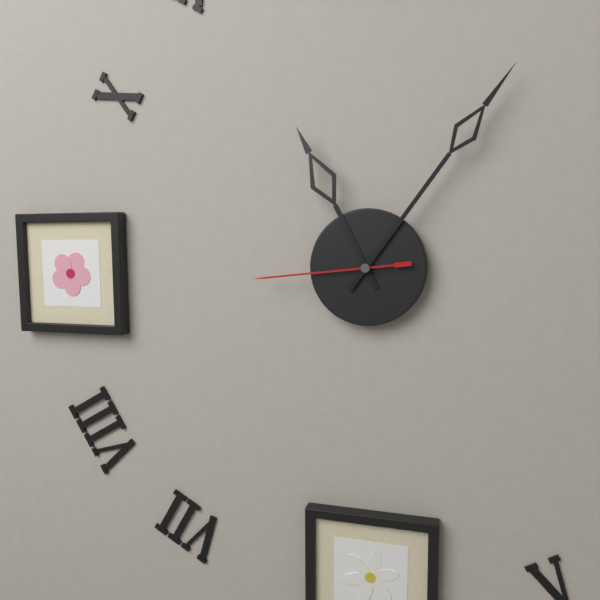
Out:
11,06,44
